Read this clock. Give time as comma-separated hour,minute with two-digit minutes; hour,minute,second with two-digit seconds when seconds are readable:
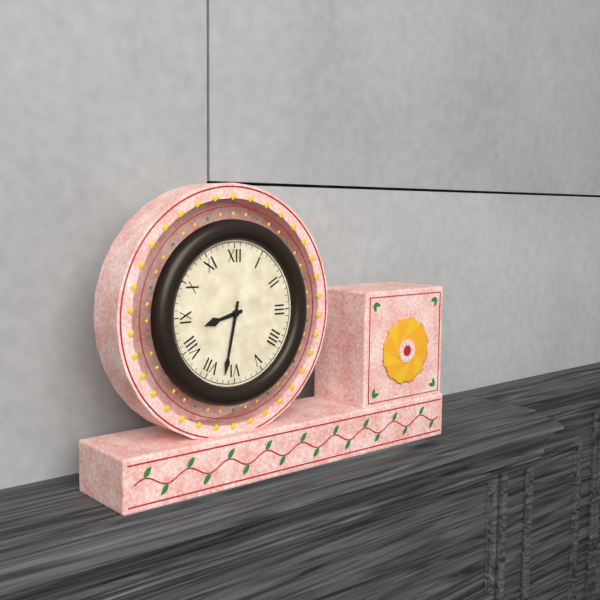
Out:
8,32
